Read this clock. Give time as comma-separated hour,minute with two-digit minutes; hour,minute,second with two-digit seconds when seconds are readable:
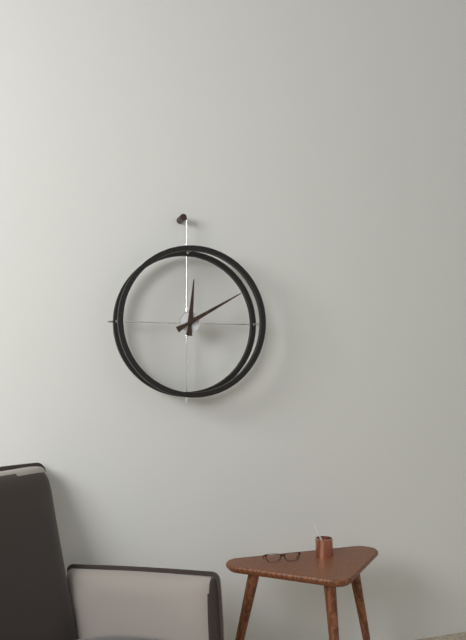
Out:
12,10
